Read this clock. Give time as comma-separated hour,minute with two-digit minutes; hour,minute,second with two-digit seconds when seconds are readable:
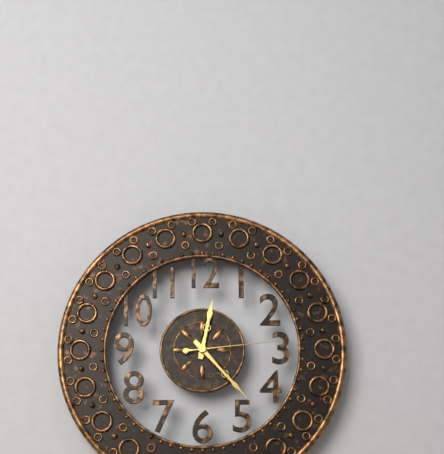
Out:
12,23,14
